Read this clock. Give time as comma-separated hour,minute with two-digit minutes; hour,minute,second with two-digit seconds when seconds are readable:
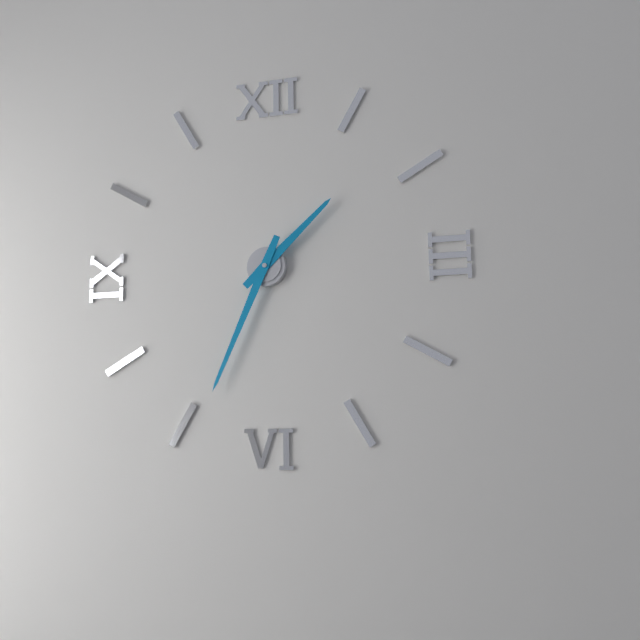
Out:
1,34
